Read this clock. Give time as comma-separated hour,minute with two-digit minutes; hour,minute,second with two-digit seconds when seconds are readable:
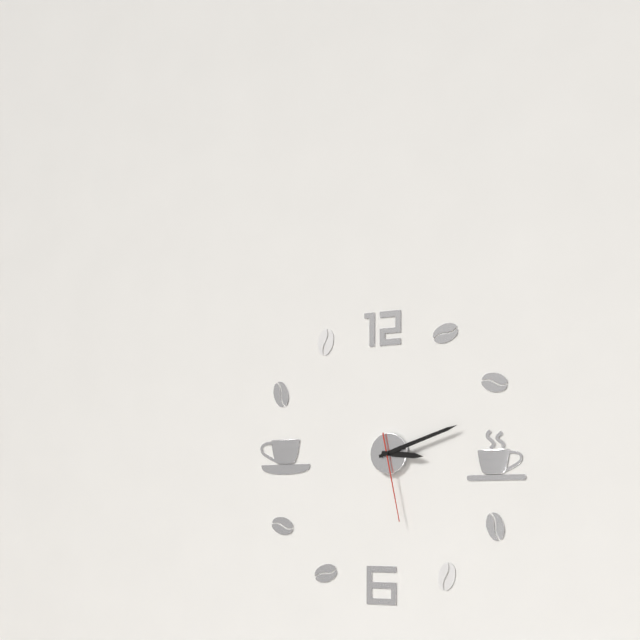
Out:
3,12,28
